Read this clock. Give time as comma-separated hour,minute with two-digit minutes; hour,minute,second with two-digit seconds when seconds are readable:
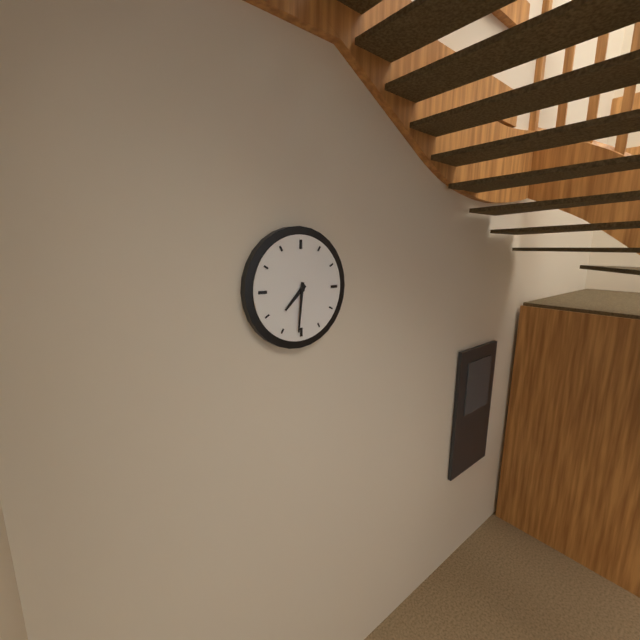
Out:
7,31
